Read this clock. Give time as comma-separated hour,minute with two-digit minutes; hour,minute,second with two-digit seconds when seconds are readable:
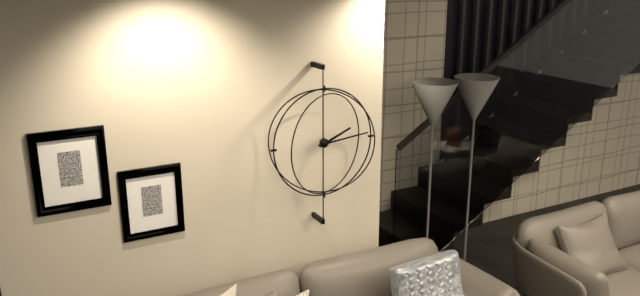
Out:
2,14
